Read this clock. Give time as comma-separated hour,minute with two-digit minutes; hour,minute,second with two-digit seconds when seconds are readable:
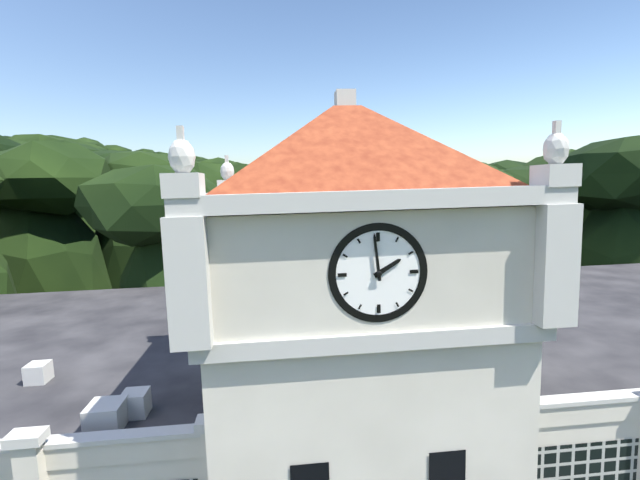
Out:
1,59
